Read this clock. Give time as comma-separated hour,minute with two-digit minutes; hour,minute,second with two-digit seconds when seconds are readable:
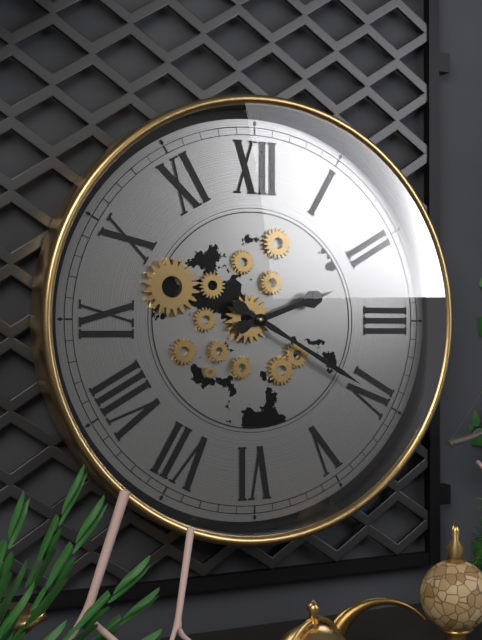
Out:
2,20
